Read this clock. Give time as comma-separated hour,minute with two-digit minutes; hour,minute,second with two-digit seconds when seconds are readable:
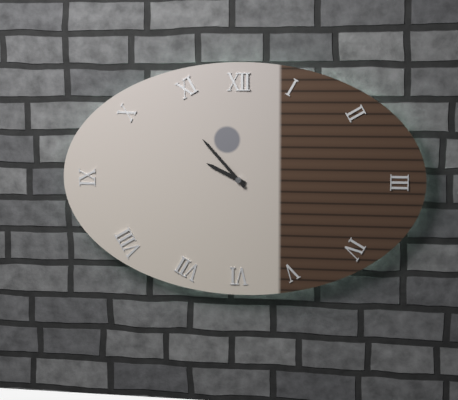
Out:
9,53
